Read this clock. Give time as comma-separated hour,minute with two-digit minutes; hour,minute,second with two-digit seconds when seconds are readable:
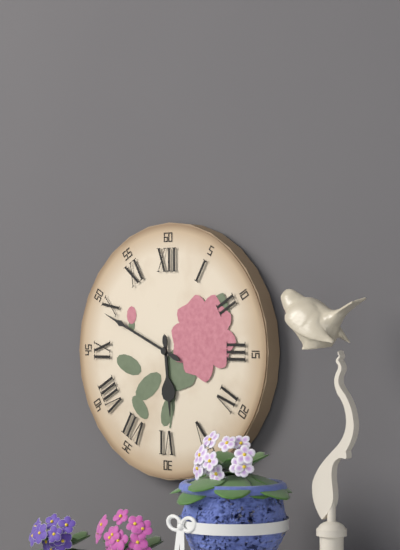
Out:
5,49
